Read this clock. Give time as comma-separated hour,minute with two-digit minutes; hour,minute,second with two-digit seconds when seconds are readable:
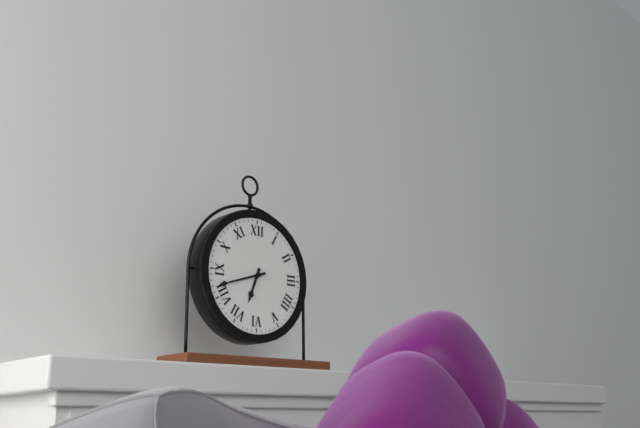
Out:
6,42
